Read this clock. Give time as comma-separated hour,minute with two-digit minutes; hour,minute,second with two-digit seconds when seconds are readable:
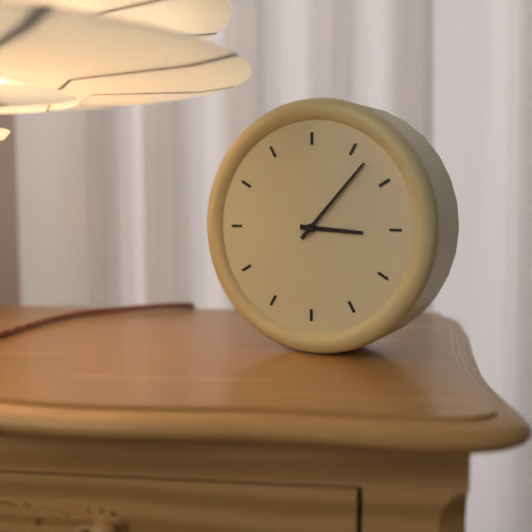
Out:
3,07
